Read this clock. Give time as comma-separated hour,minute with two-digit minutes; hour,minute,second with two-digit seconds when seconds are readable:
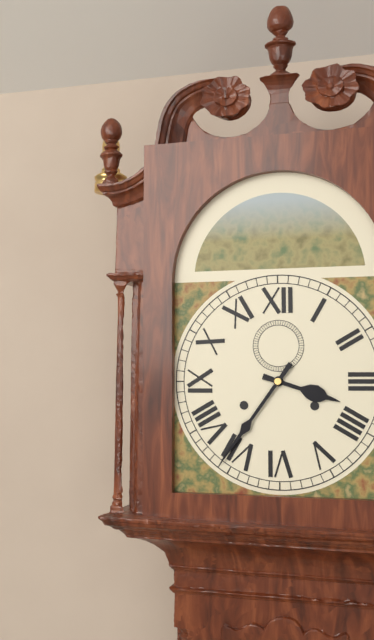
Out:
3,36
